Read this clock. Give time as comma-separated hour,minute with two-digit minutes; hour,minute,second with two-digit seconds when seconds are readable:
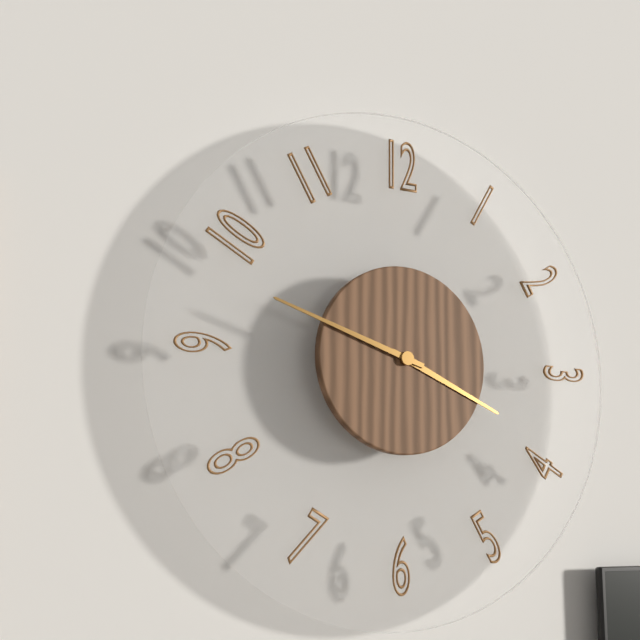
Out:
3,48
